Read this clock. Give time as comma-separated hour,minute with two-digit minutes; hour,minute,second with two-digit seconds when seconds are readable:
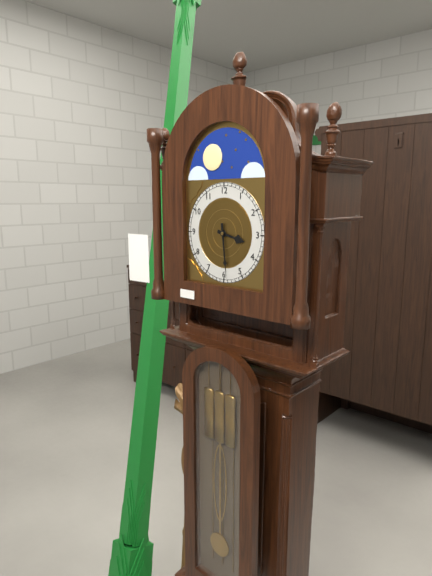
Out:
3,29
